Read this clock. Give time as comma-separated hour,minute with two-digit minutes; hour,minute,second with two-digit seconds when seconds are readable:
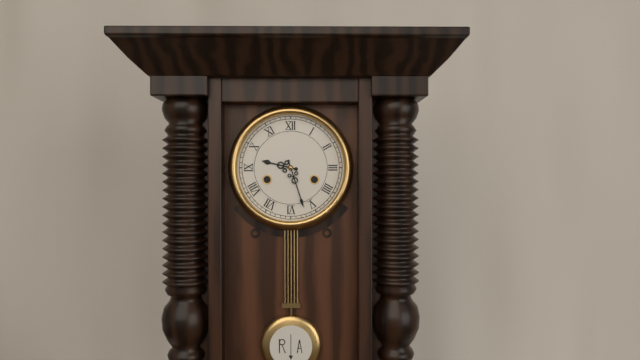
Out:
9,27
